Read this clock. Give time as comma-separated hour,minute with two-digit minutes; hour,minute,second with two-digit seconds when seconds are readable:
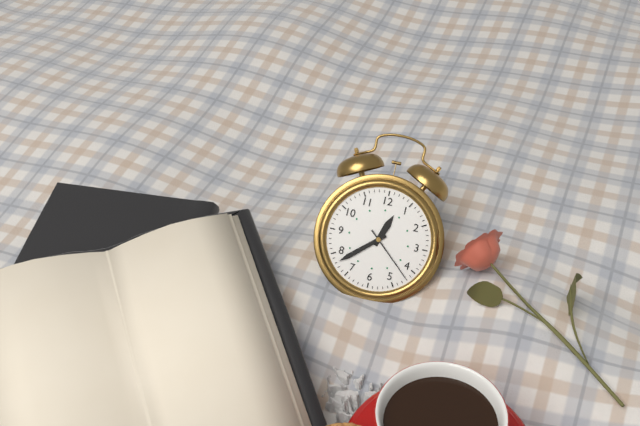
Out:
12,38,22
